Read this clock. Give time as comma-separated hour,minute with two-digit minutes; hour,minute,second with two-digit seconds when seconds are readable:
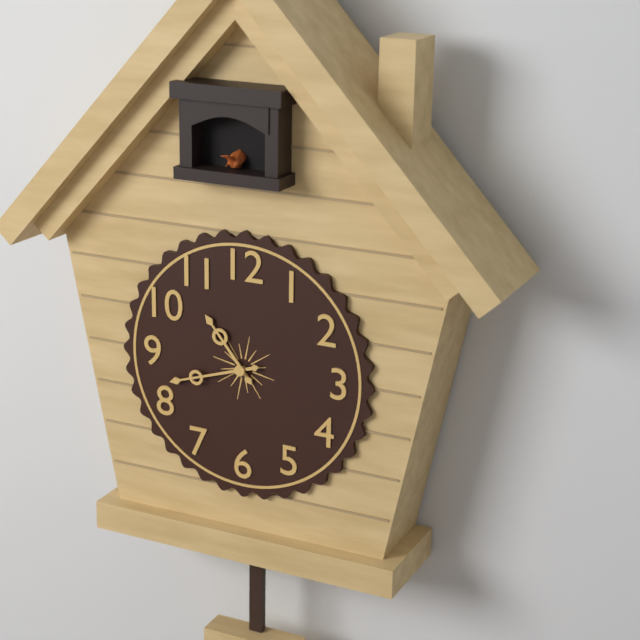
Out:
10,42
